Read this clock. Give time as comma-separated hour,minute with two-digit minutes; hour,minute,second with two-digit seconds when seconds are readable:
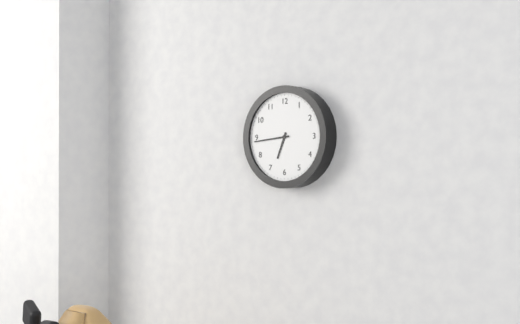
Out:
6,44
